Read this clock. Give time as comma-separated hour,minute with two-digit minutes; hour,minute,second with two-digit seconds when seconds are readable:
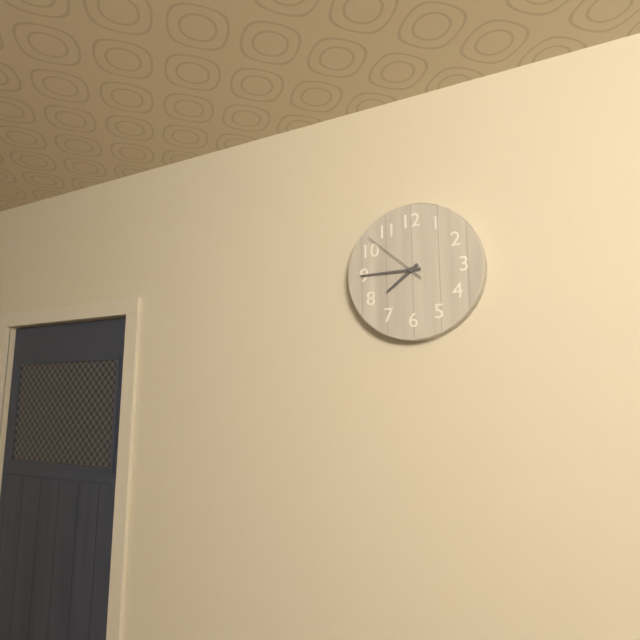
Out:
7,45,52
